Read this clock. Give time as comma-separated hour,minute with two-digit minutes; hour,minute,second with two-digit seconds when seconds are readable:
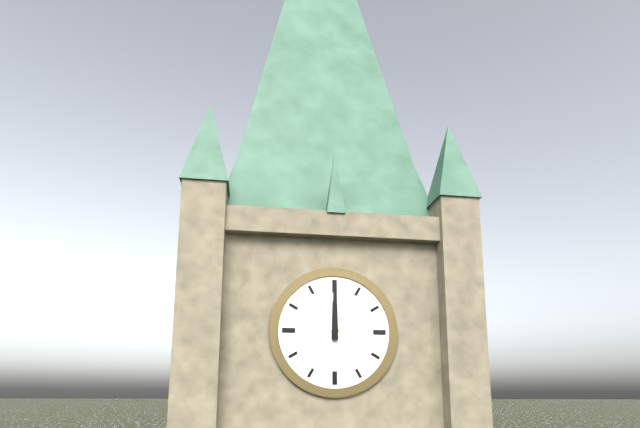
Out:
12,00
